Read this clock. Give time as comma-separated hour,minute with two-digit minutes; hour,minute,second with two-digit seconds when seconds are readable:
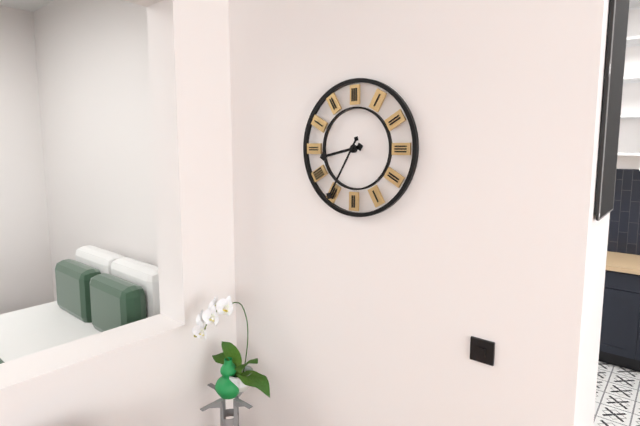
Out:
8,35
